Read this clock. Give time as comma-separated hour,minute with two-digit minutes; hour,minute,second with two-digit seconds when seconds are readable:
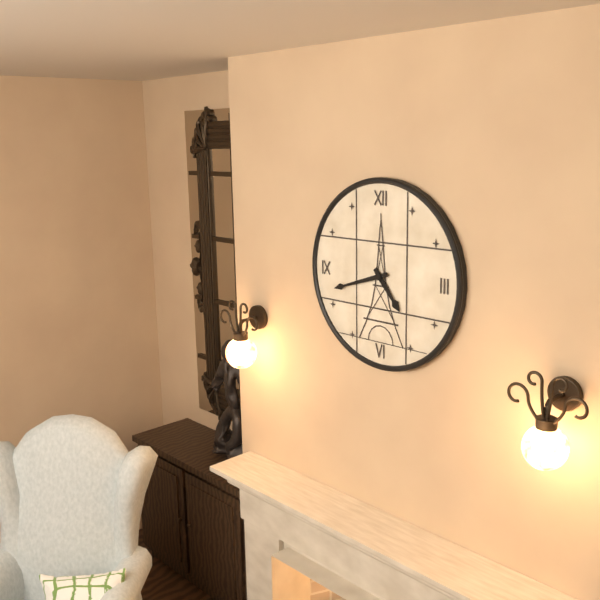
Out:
4,42
